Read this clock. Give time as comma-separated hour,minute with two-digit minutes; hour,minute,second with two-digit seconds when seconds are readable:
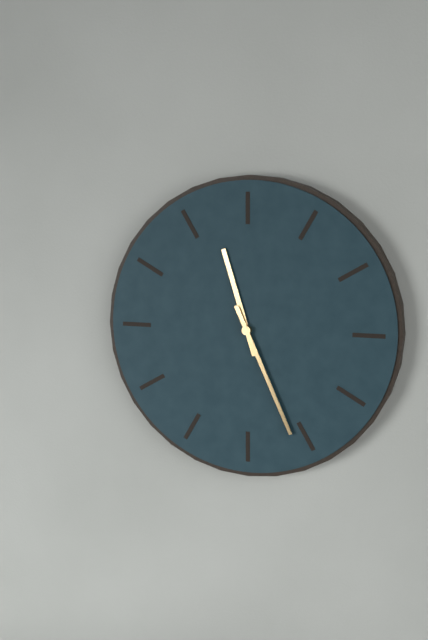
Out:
11,26
